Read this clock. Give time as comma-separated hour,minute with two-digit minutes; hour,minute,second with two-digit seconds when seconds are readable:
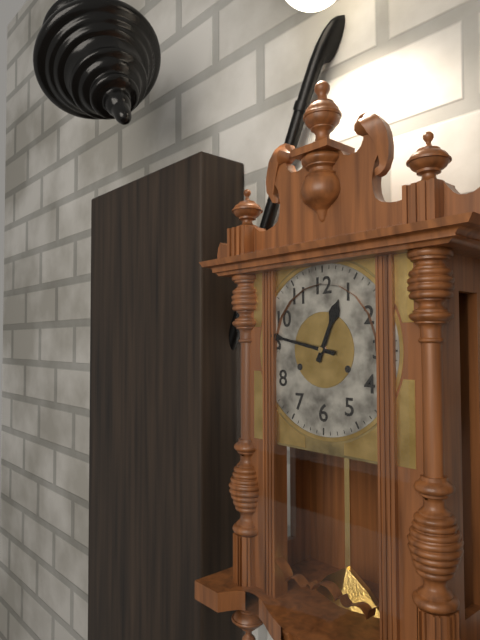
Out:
12,47
